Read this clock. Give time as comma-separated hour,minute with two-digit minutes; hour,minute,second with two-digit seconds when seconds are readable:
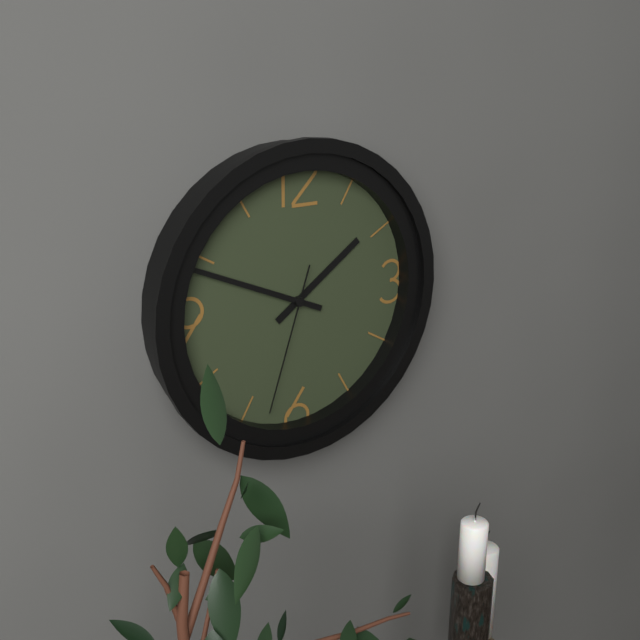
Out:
1,49,33
